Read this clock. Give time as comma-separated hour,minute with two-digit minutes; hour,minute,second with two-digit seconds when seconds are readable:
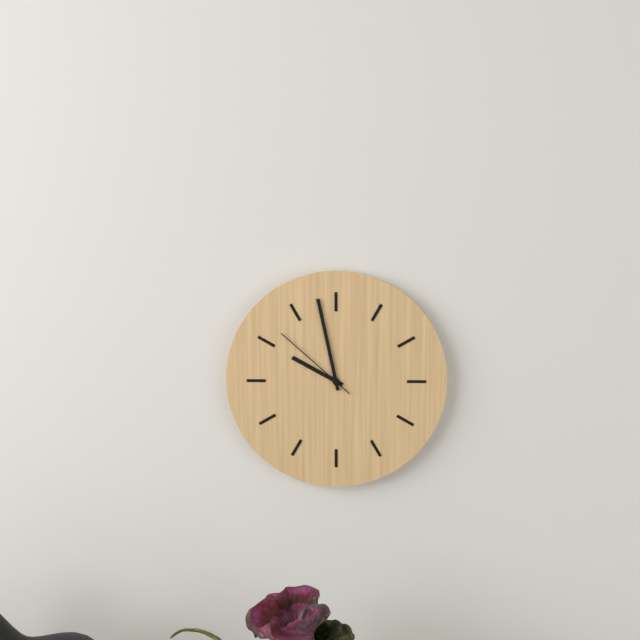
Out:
9,58,52
